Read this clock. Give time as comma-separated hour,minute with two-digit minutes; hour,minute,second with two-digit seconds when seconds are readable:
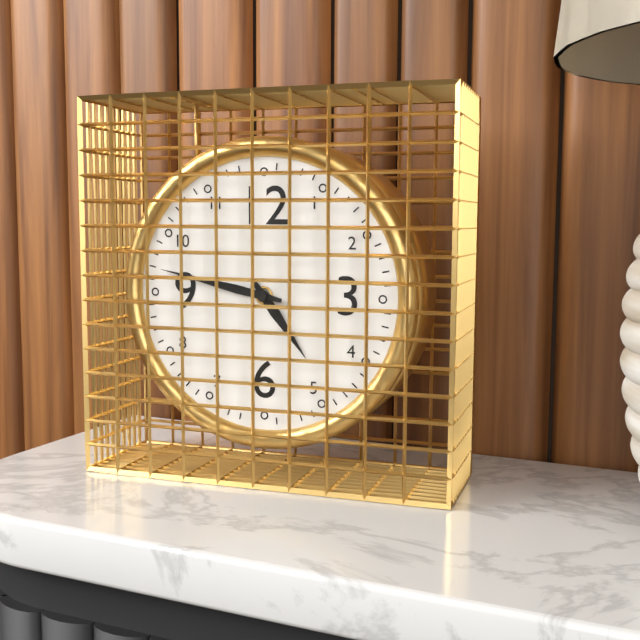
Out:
4,47
